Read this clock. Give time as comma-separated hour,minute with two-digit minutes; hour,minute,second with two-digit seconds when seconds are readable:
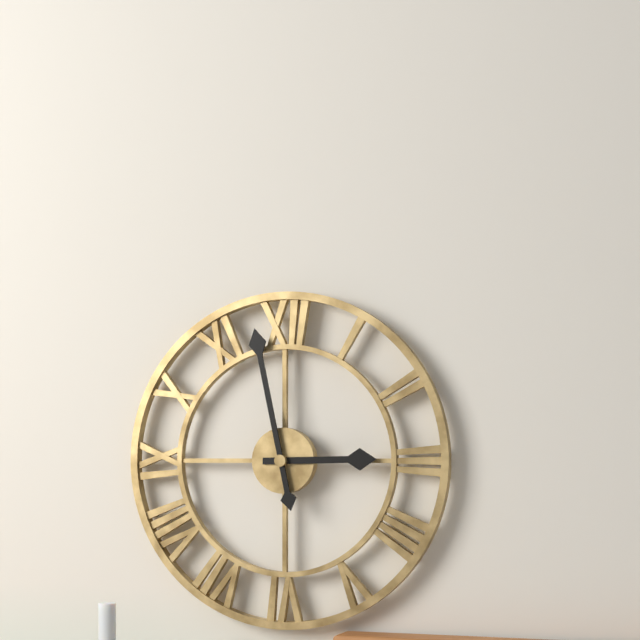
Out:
2,58
